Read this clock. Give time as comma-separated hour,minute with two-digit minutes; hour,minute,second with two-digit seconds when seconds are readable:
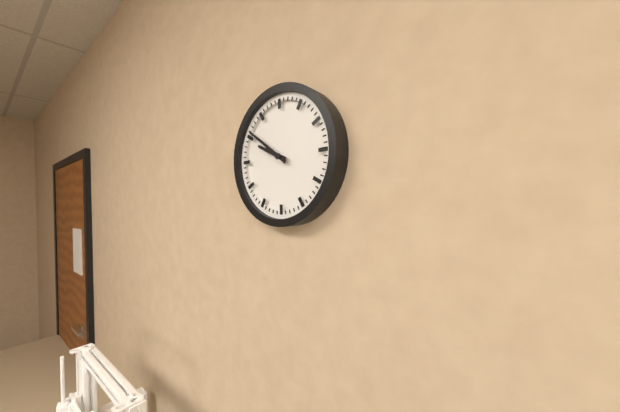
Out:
9,51
